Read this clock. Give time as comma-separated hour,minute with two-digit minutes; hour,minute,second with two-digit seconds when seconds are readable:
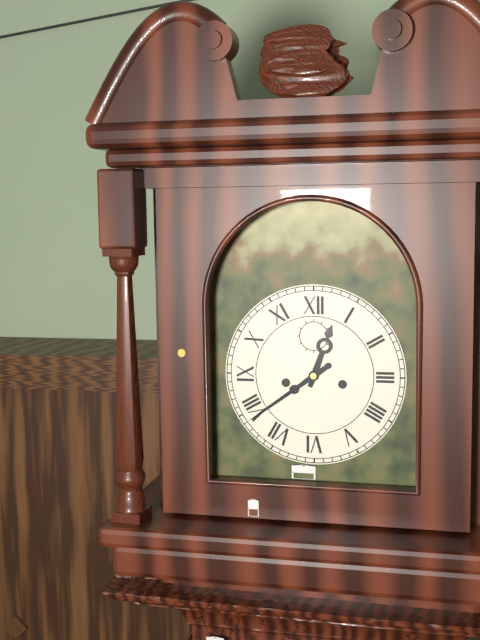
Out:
12,39
